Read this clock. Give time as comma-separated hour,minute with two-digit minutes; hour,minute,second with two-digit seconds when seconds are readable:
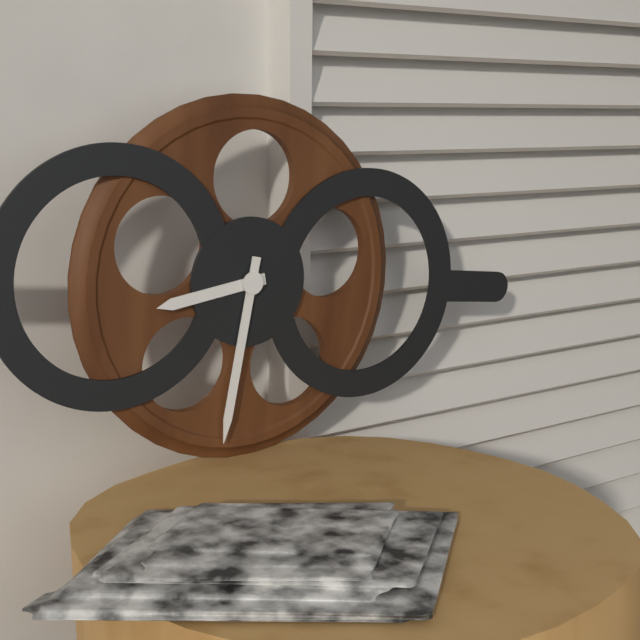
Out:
8,31
